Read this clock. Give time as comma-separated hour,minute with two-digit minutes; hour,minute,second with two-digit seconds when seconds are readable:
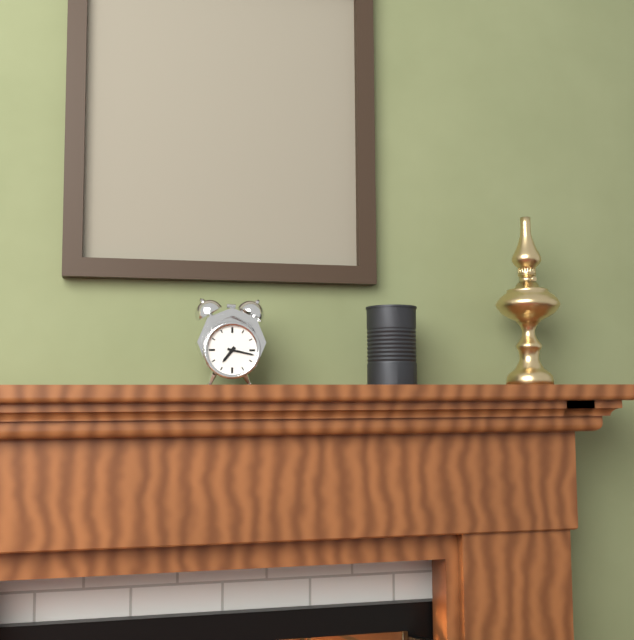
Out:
7,17
